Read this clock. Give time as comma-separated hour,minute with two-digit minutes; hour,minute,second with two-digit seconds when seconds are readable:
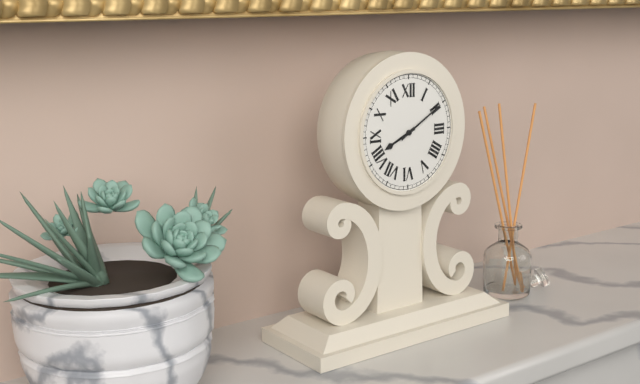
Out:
8,10
